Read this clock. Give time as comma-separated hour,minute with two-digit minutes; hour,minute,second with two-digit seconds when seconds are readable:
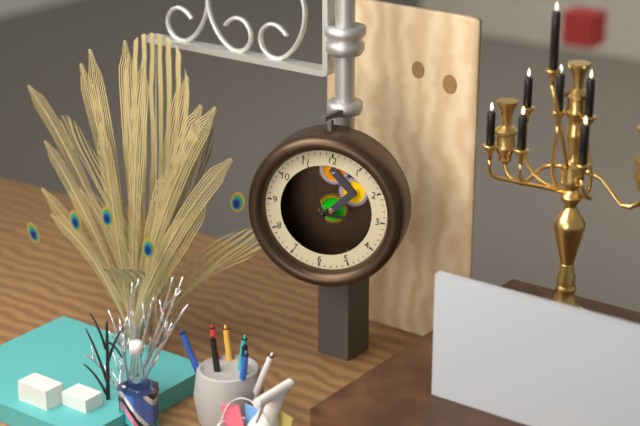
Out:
2,56
